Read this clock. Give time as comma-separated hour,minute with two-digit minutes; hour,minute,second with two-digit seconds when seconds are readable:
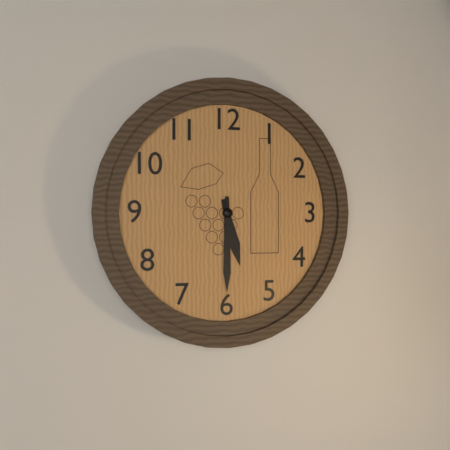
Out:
5,30
